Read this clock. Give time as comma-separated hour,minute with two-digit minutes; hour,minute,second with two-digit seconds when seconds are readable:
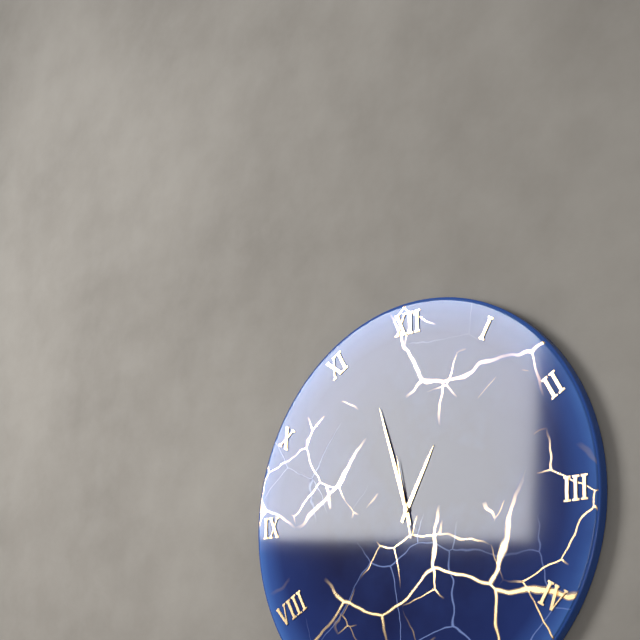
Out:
12,57,58
